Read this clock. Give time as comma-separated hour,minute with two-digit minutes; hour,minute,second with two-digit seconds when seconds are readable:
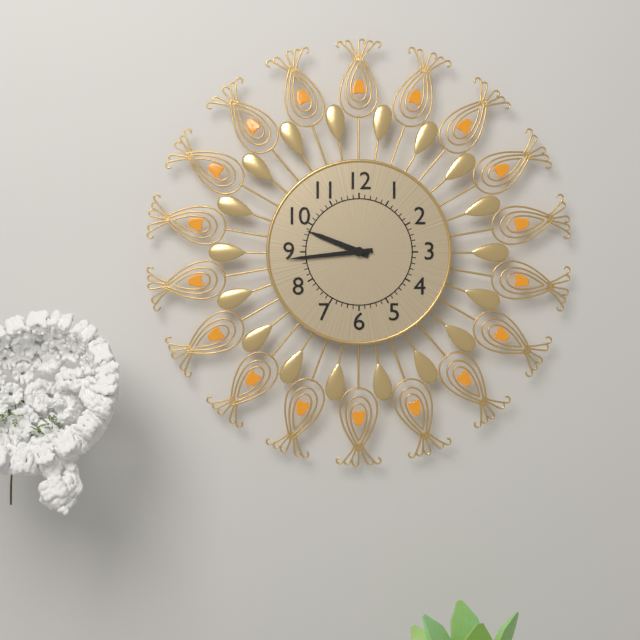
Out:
9,44
